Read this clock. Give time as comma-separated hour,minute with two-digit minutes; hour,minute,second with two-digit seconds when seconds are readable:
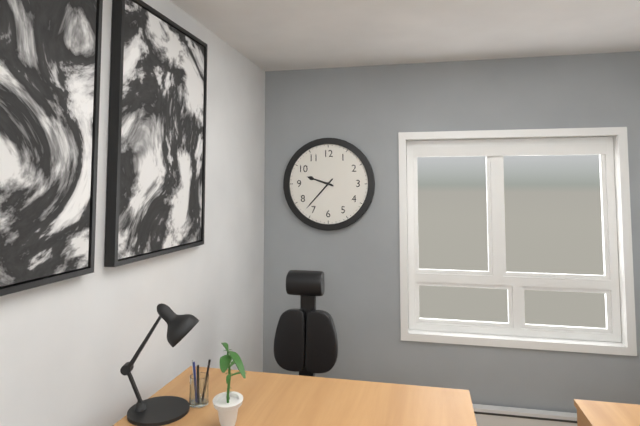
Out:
9,37
